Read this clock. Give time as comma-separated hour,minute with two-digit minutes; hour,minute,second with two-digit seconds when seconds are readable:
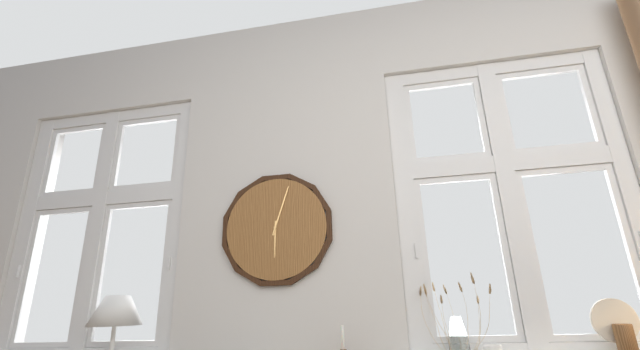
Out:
6,03
